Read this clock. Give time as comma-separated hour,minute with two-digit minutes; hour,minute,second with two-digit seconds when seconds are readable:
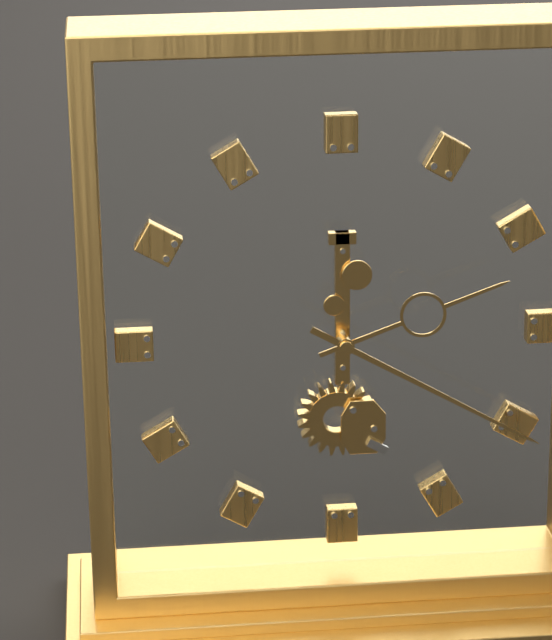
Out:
2,20
